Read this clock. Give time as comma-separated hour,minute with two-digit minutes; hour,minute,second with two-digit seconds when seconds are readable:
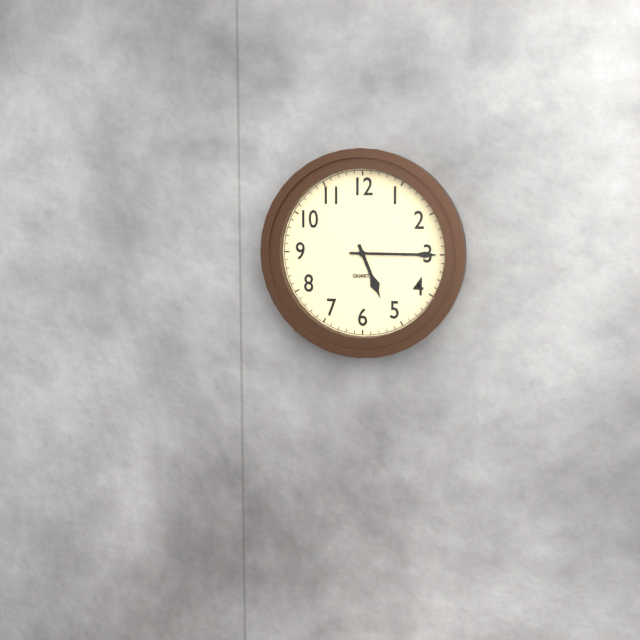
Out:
5,15
